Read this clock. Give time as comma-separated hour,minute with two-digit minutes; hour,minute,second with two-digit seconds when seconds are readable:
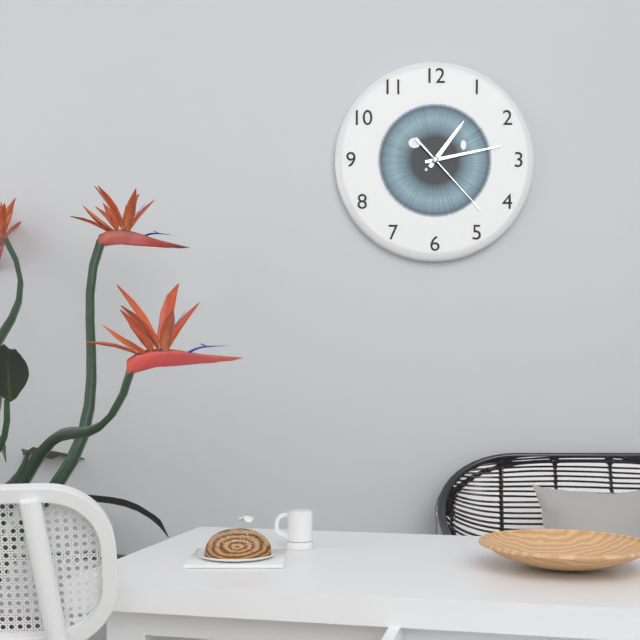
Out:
1,13,23
